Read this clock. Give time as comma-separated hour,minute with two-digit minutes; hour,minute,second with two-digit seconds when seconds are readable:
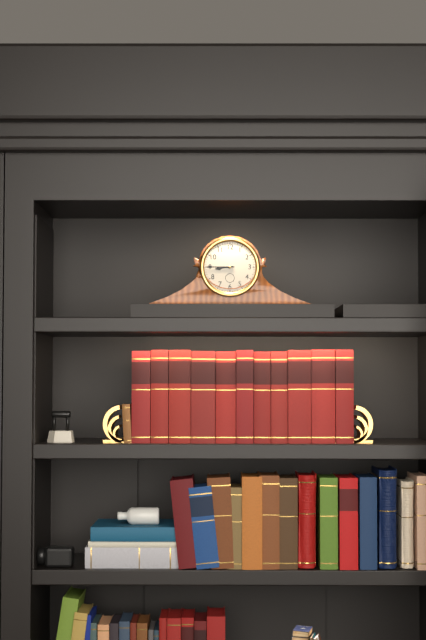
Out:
8,45
